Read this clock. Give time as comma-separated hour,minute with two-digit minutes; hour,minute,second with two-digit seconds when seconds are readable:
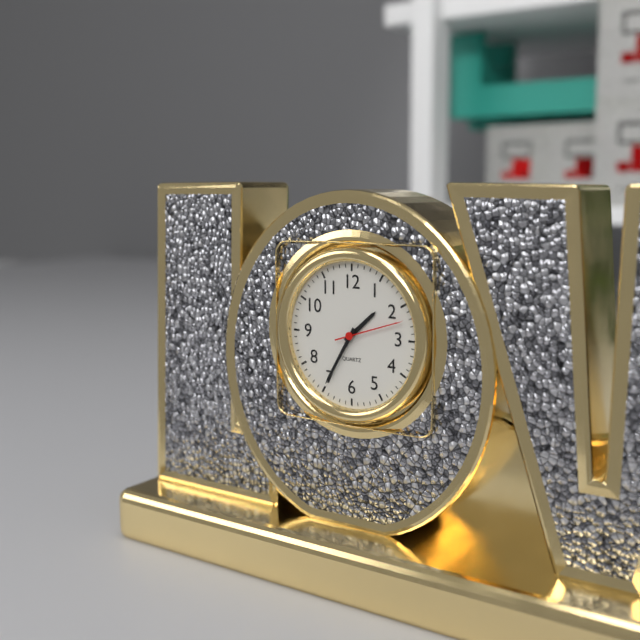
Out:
1,35,12
